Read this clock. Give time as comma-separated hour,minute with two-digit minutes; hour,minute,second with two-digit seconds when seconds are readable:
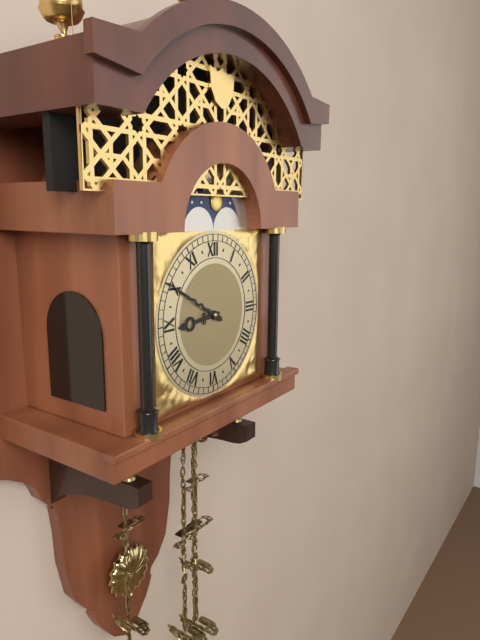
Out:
8,50
